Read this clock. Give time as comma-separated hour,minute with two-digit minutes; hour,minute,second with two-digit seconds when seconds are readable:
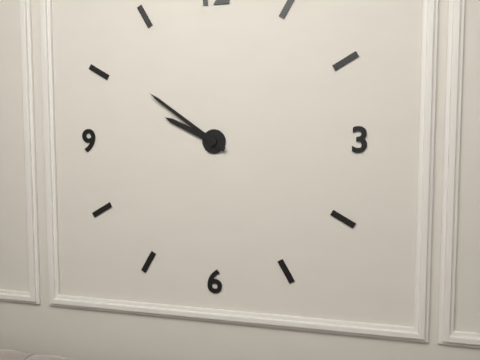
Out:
9,51
